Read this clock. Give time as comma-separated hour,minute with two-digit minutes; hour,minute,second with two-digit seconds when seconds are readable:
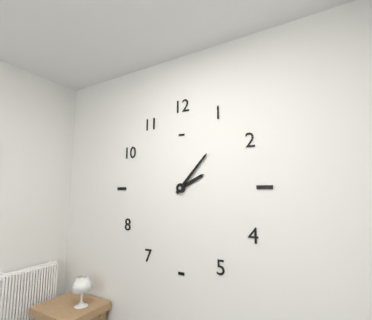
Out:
2,07
